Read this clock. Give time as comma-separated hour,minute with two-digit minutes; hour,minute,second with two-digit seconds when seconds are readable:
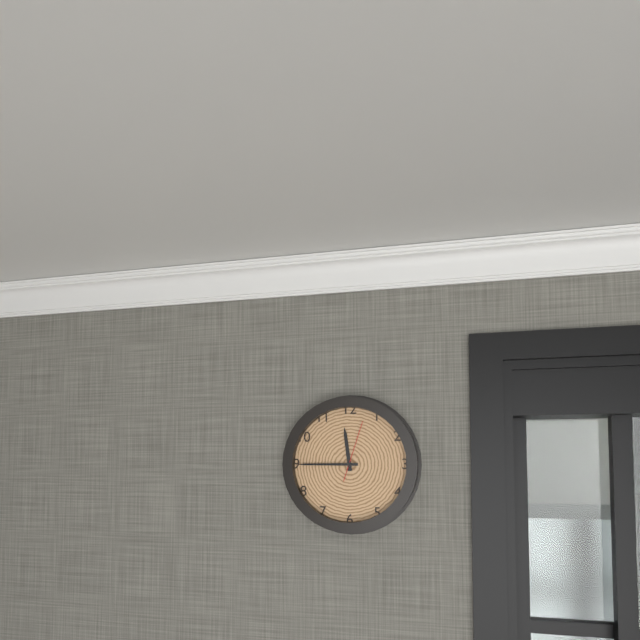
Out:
11,45,03
